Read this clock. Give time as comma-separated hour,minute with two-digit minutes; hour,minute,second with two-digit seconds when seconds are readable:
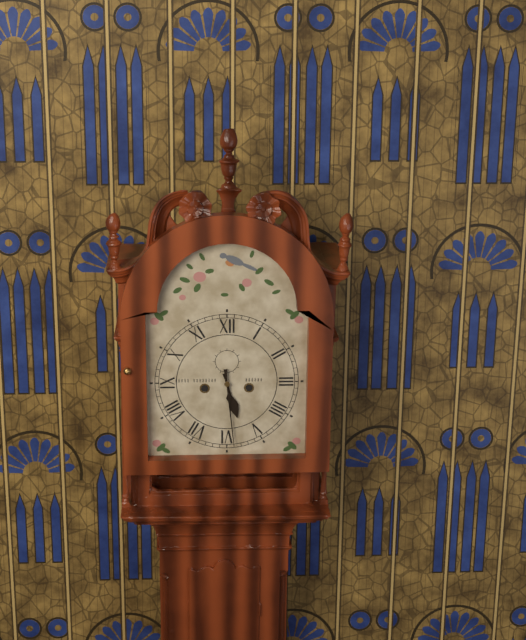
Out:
5,29
